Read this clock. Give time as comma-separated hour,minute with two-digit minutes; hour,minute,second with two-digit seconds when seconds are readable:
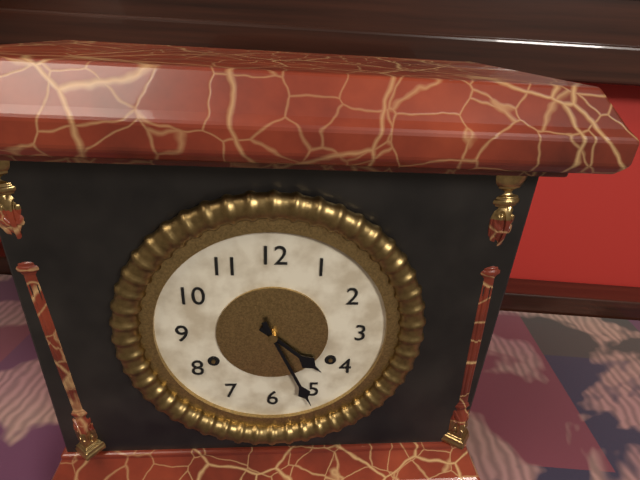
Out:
4,26
